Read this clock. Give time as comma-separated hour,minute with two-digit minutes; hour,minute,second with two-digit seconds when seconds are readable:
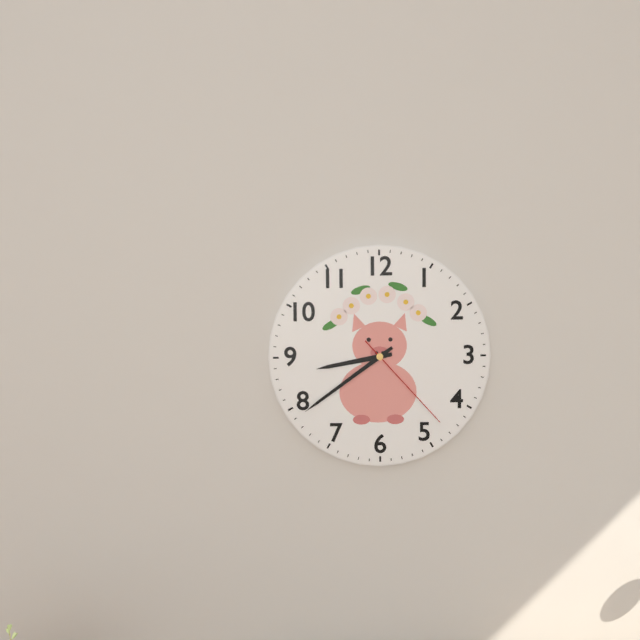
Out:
8,39,23
